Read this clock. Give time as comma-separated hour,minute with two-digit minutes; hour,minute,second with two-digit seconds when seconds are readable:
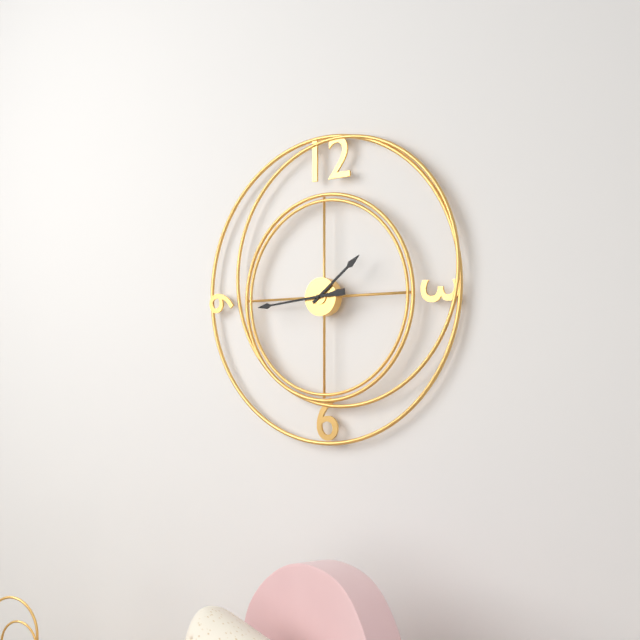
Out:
1,44
